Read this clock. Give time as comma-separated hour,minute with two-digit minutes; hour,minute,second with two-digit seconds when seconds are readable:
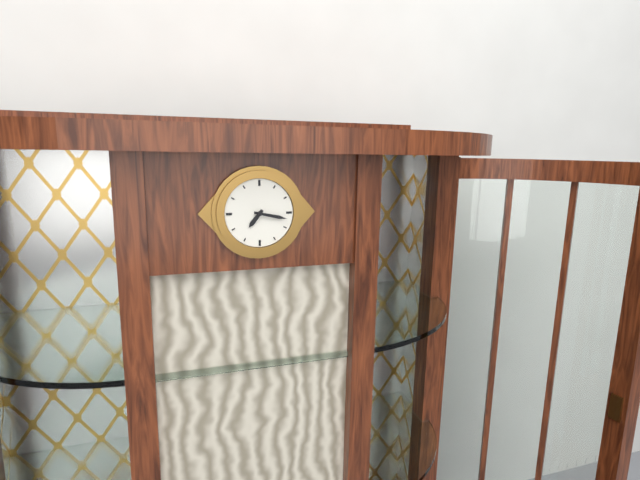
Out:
7,17
